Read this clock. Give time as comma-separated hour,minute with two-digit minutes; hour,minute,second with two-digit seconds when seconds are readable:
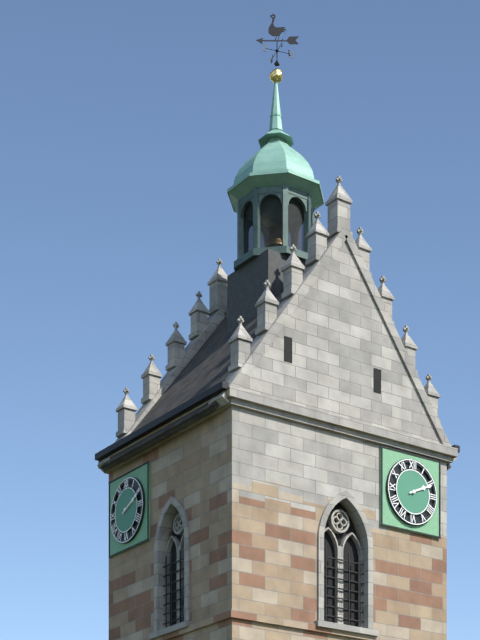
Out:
2,11
